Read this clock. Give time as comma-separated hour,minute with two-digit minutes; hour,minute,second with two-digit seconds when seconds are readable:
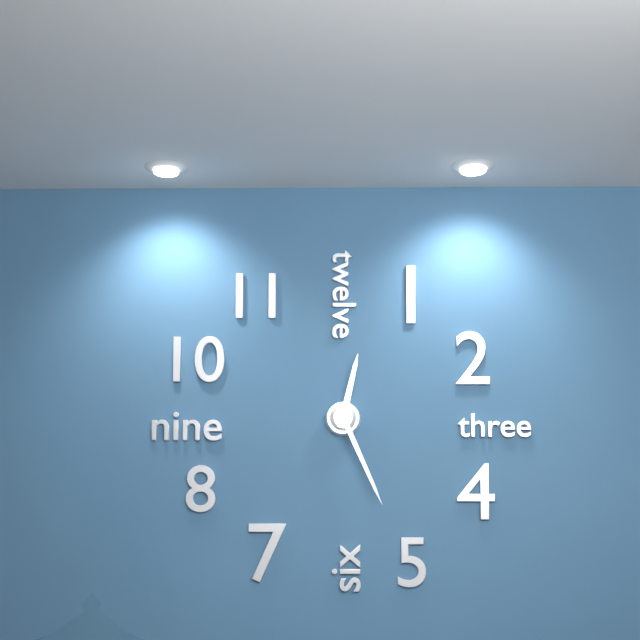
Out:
12,26
